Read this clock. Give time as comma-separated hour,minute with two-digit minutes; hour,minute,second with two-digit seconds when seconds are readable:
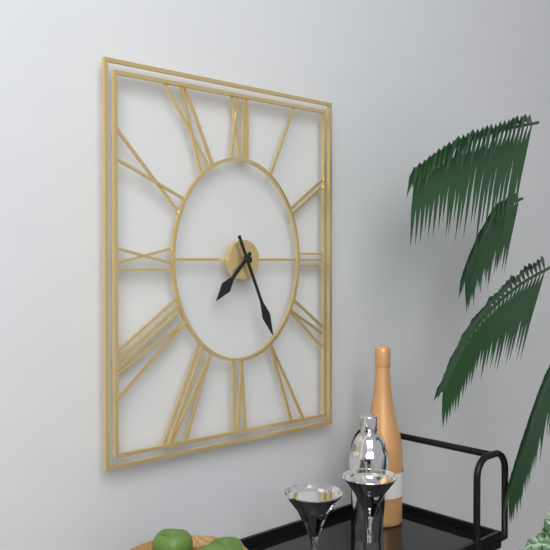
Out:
7,26
